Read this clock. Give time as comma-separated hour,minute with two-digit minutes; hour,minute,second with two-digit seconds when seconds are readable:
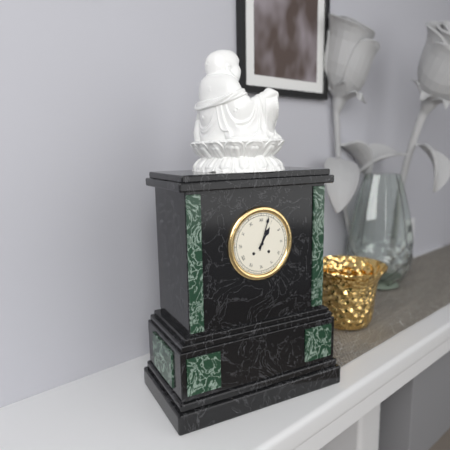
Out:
1,03
